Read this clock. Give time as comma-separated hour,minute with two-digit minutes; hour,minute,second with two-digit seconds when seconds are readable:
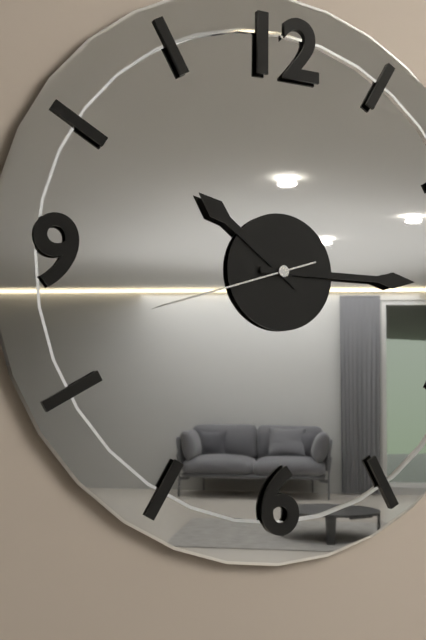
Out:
10,15,42
